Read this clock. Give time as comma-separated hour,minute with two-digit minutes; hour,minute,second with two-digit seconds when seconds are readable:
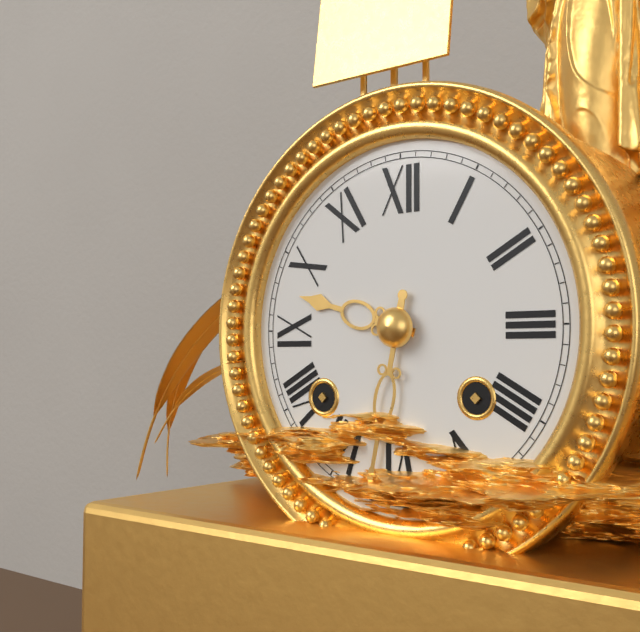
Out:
9,32
